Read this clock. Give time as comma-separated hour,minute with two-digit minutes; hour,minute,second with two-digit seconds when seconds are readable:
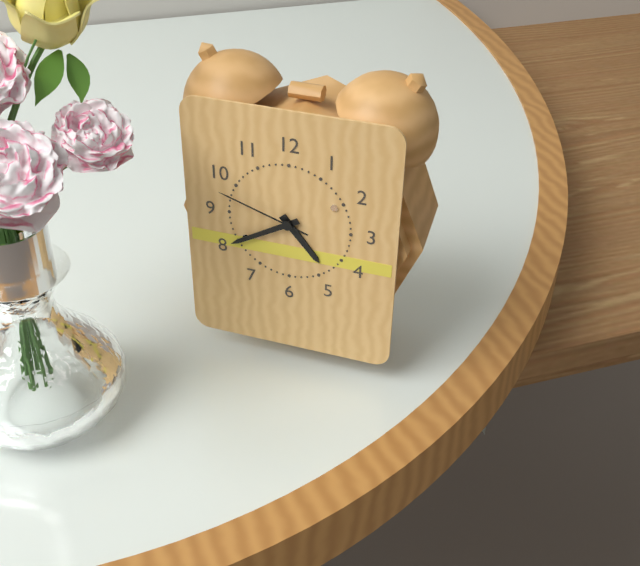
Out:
4,40,48
